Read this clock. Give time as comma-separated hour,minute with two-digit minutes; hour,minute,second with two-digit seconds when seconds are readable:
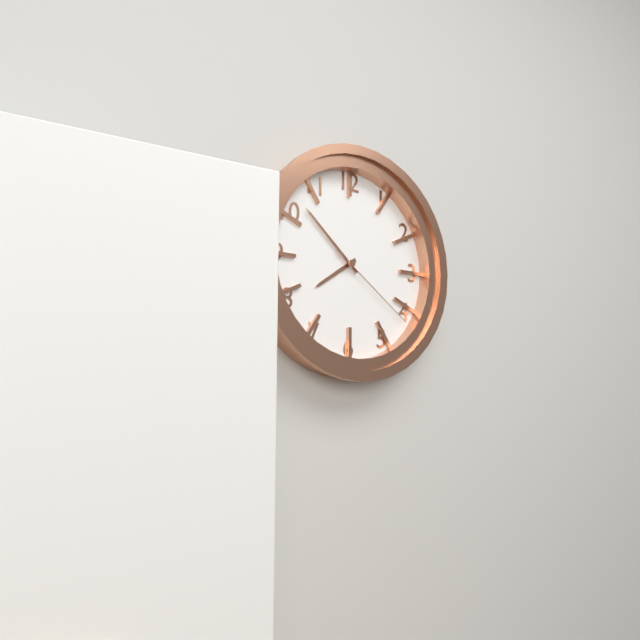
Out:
7,52,21
